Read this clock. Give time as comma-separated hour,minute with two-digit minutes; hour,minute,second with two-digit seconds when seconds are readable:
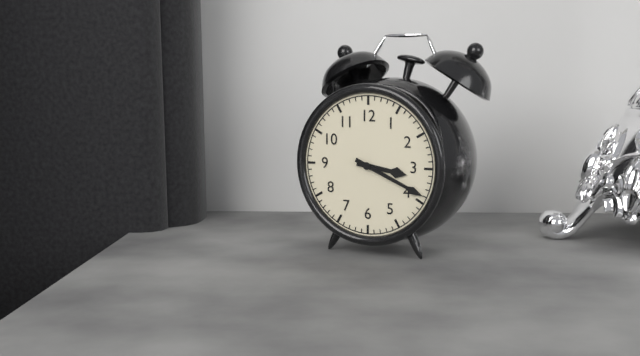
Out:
3,19
